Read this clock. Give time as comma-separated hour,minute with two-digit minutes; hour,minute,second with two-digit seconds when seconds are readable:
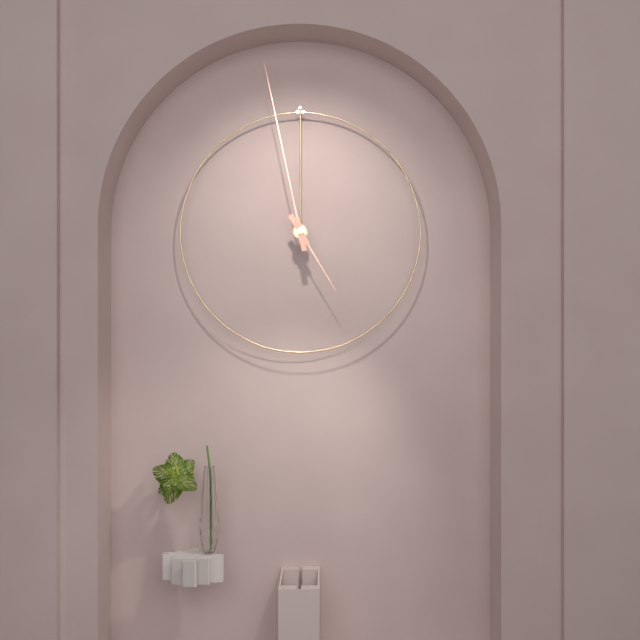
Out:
4,58
